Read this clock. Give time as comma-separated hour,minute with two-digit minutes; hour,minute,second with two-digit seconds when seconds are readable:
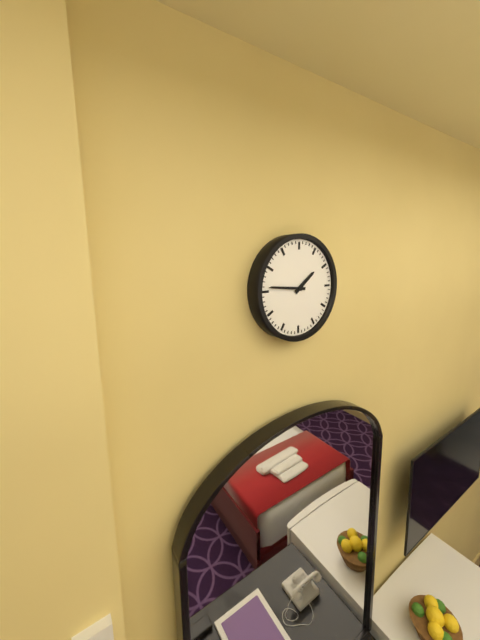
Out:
1,46
